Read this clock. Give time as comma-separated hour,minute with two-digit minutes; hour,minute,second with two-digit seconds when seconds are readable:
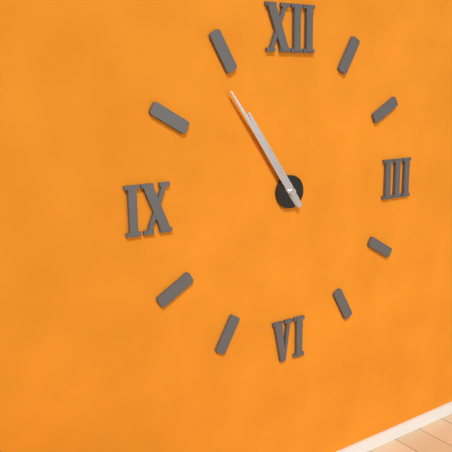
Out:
10,54
